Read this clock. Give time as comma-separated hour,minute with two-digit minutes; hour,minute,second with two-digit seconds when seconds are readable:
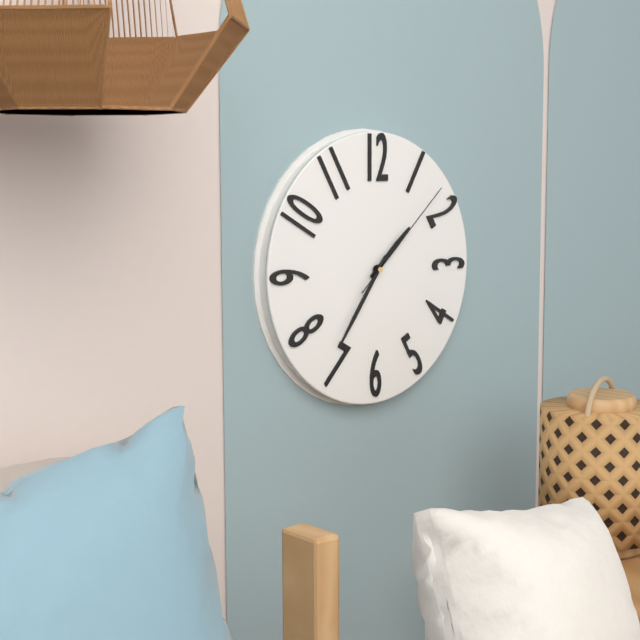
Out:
1,36,08
